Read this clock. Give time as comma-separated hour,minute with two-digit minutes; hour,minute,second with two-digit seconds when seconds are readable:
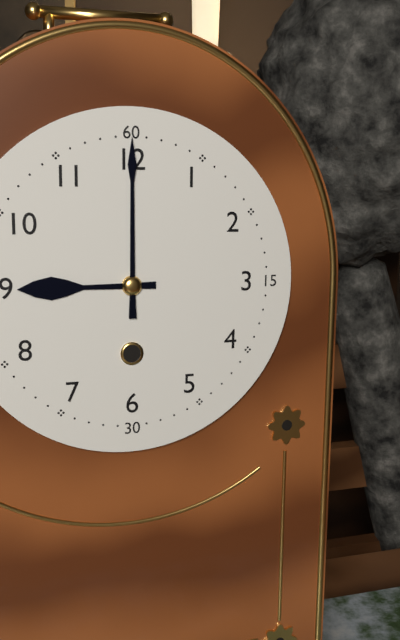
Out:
9,00
